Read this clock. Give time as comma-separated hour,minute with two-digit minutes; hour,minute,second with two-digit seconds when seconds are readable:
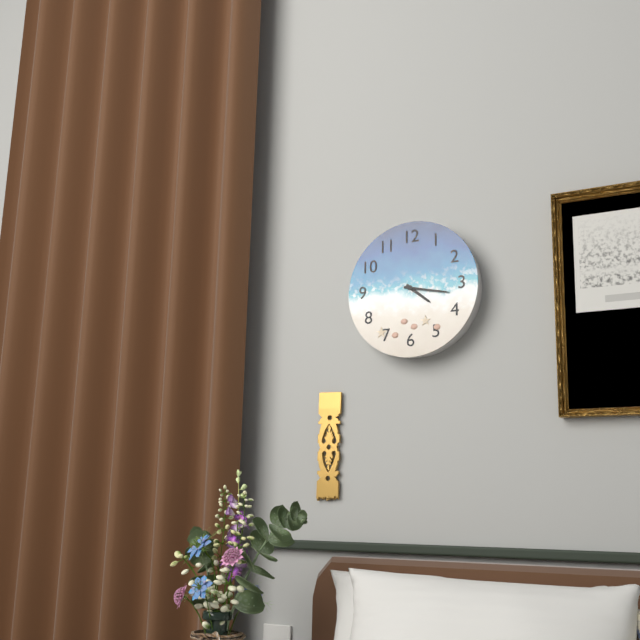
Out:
4,17
